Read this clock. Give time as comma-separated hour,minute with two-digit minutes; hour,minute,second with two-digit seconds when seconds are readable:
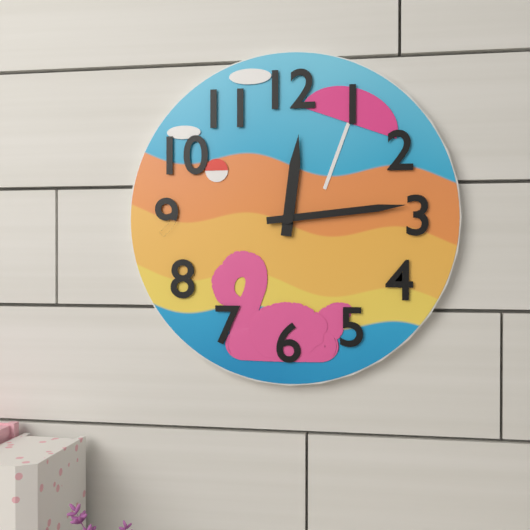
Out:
12,14
